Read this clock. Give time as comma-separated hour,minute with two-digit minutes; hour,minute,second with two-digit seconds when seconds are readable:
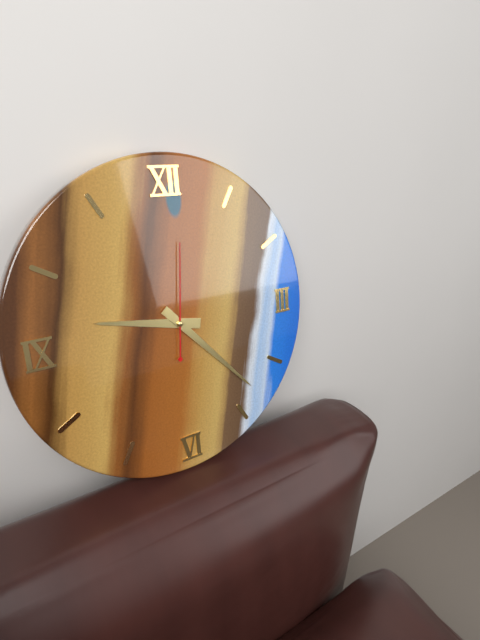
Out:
9,23,01
